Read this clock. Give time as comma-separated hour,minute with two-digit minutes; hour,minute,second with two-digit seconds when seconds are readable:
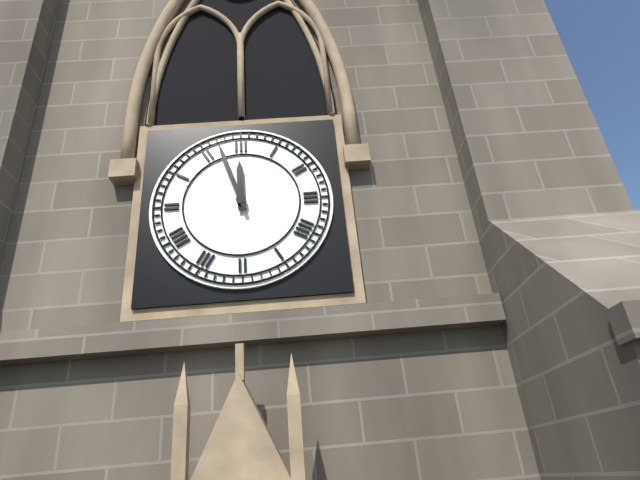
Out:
11,57
